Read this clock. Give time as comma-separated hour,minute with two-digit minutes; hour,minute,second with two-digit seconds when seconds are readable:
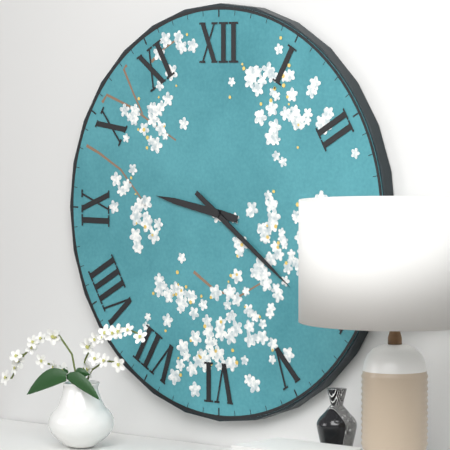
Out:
9,21
